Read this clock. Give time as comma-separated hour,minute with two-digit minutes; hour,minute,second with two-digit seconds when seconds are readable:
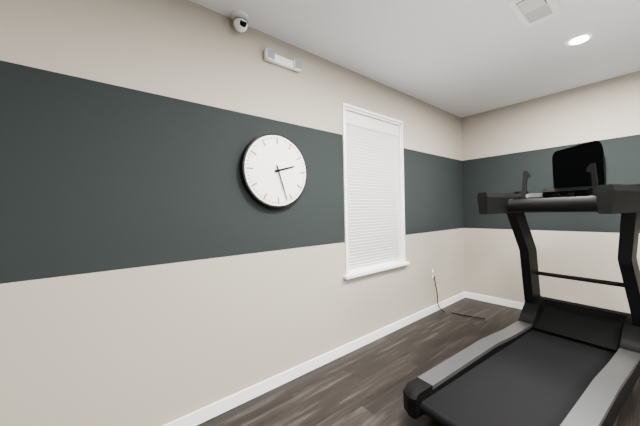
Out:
2,27
